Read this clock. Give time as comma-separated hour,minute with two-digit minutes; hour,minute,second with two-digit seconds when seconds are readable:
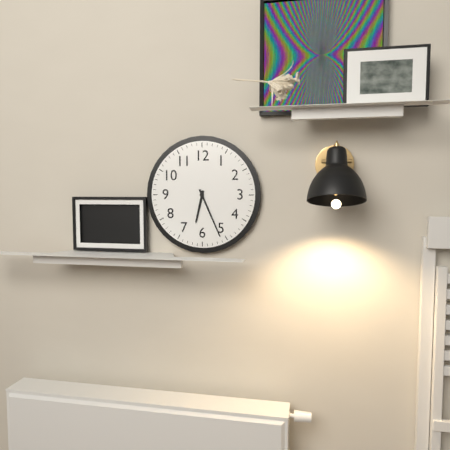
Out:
6,26
